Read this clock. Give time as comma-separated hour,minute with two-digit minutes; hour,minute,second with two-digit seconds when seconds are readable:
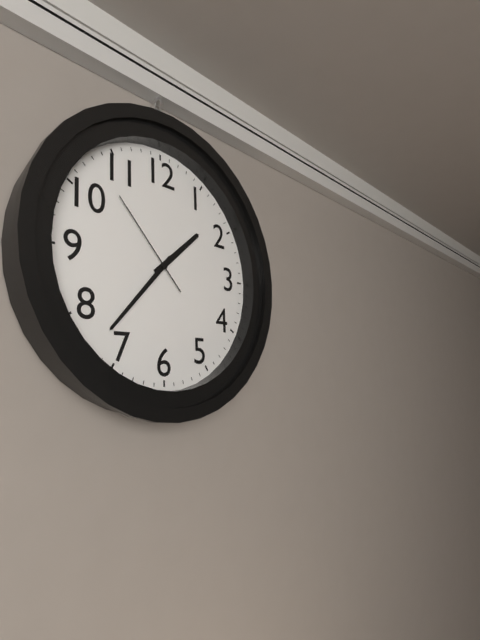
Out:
1,37,53
